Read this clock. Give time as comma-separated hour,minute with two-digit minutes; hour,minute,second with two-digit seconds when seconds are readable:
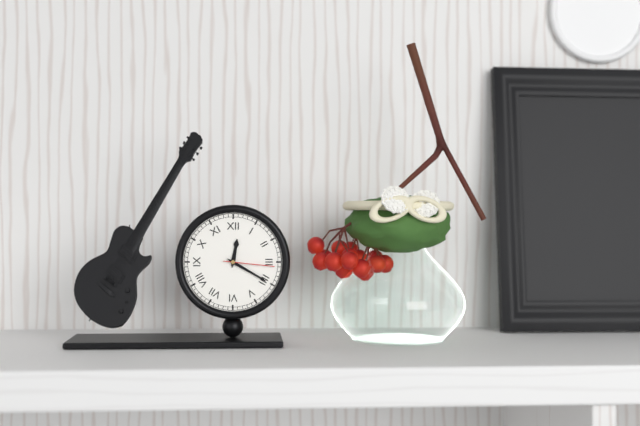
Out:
12,20,16
